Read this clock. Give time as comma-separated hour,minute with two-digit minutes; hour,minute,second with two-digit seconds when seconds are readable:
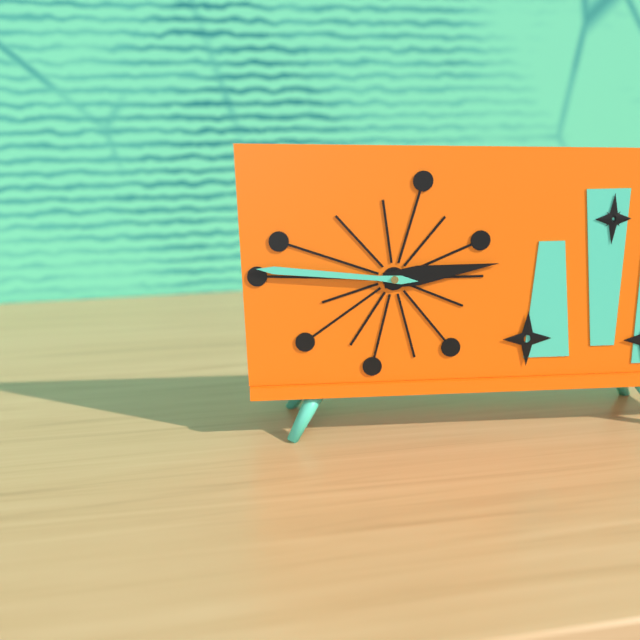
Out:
2,46
